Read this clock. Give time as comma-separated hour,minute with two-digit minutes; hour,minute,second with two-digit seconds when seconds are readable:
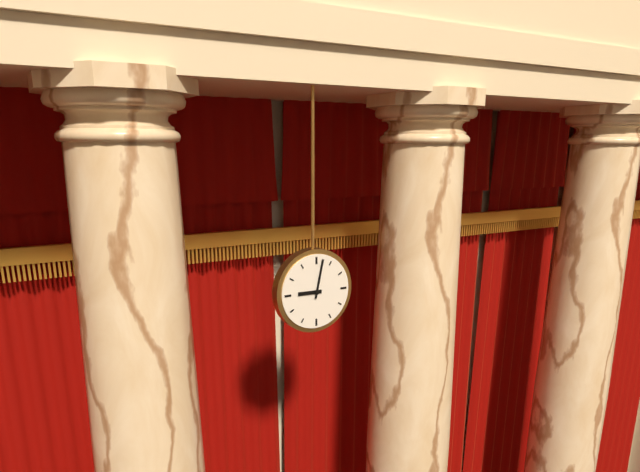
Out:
9,02
